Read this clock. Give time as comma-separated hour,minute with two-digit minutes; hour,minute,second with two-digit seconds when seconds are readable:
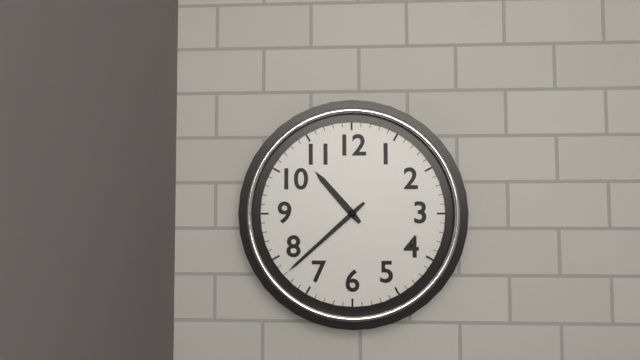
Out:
10,38
